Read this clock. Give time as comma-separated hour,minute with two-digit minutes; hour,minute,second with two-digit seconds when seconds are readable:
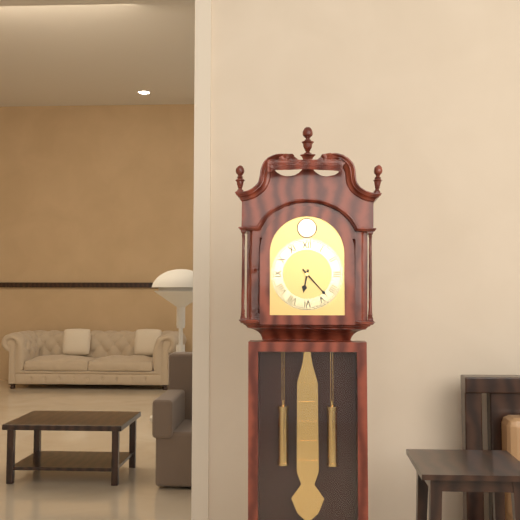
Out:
6,23
